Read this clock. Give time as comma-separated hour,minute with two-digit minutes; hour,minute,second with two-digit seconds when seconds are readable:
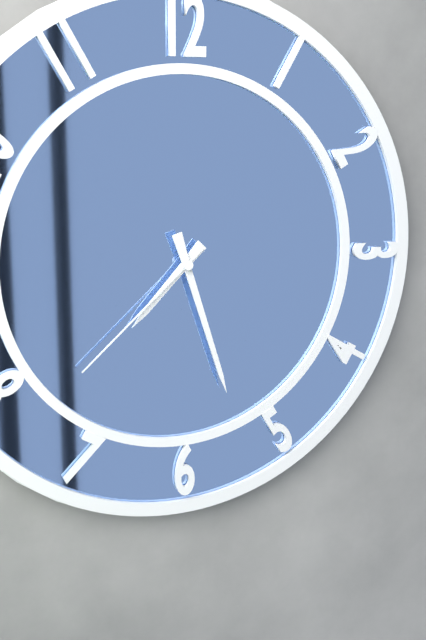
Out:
7,27,38
